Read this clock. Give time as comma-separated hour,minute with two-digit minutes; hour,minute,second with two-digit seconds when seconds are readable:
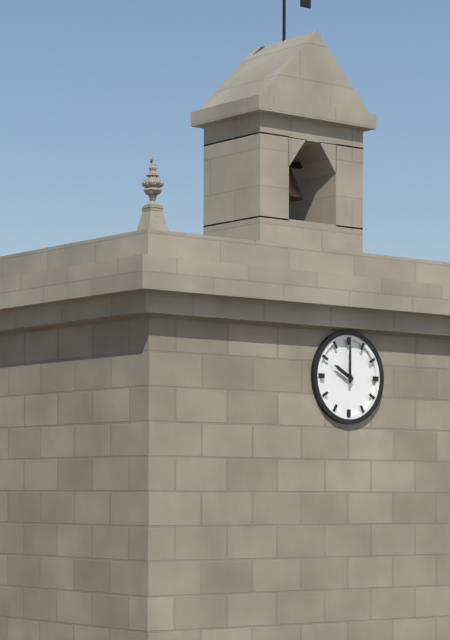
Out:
10,00
